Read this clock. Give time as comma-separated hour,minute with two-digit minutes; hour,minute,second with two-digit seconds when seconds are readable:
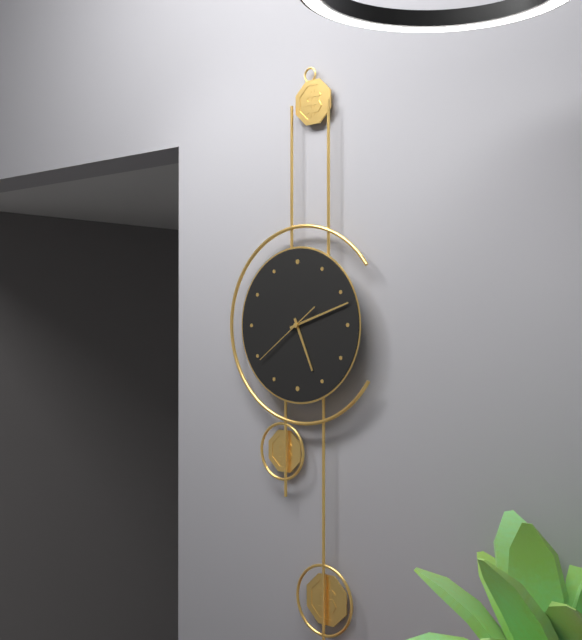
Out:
5,12,39
